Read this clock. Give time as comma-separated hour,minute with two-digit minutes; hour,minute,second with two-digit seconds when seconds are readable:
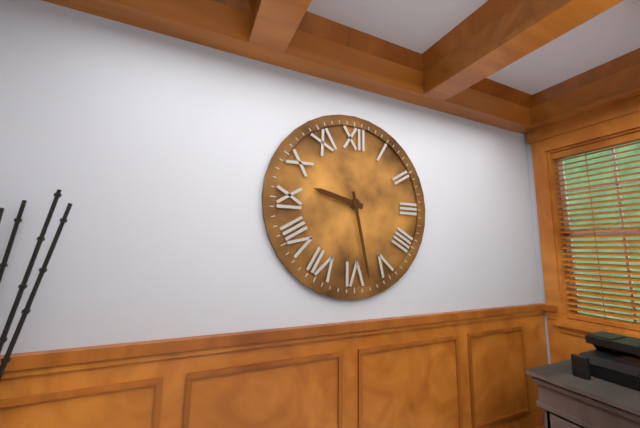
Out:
9,28
